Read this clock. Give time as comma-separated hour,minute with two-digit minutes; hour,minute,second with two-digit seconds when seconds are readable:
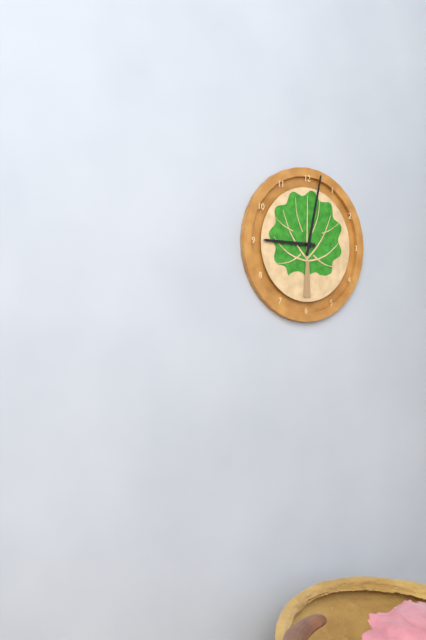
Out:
9,02
